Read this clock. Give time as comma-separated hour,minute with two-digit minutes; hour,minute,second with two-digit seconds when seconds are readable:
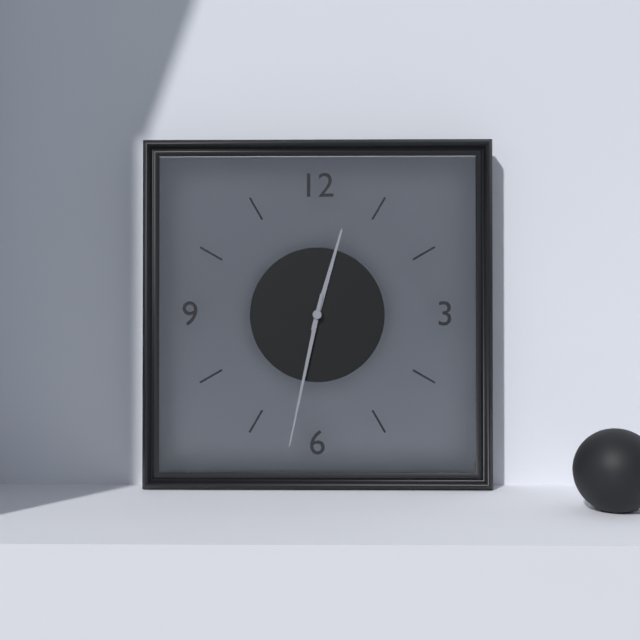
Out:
12,32
